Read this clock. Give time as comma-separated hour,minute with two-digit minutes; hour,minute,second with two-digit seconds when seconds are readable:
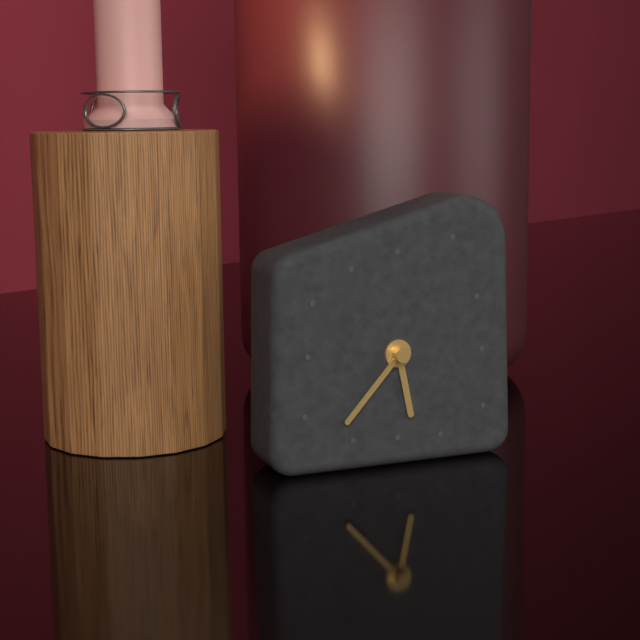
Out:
5,37
